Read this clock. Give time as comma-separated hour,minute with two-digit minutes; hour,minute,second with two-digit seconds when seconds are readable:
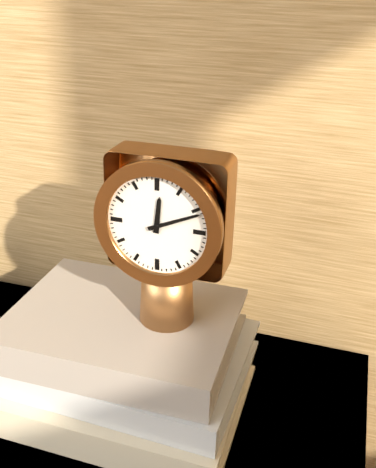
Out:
12,11
